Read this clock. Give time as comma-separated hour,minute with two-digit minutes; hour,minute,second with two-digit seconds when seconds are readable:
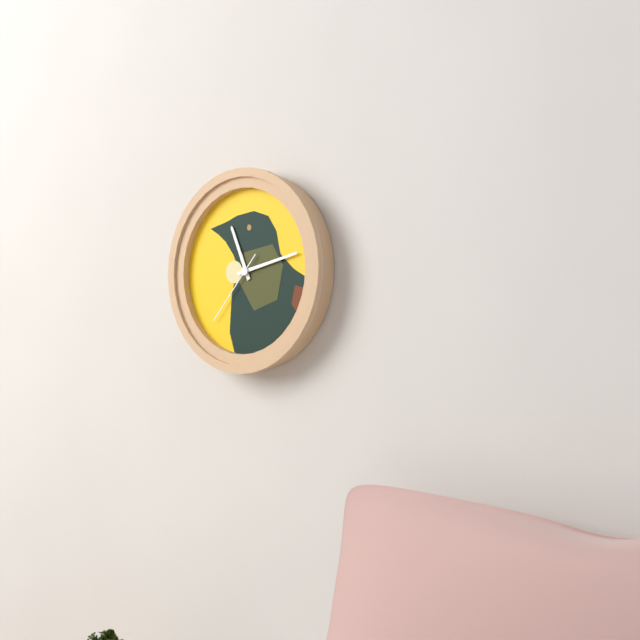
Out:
11,13,37
